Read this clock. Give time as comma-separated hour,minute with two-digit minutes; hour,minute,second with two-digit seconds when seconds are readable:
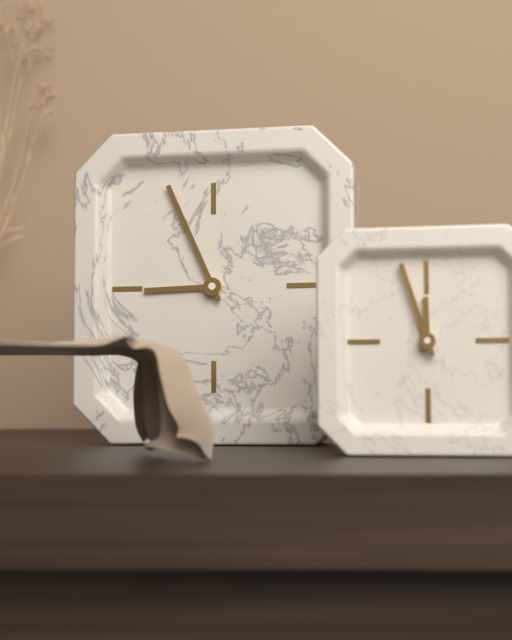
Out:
8,56
